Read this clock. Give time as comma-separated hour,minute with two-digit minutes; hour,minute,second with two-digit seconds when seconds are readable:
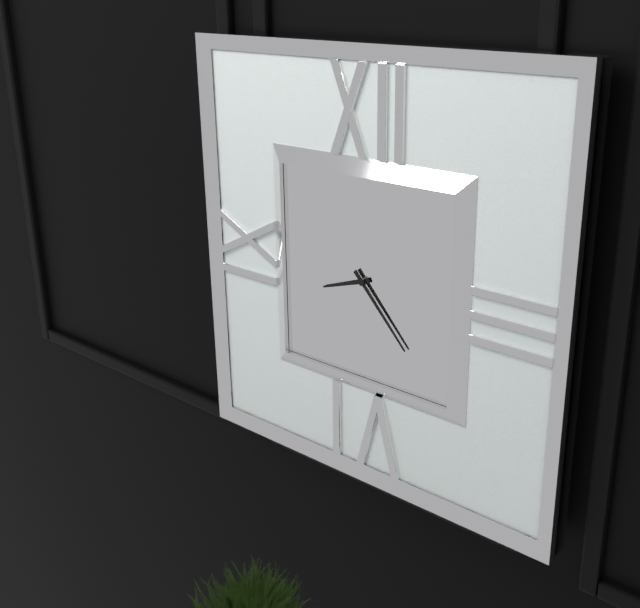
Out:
8,23
